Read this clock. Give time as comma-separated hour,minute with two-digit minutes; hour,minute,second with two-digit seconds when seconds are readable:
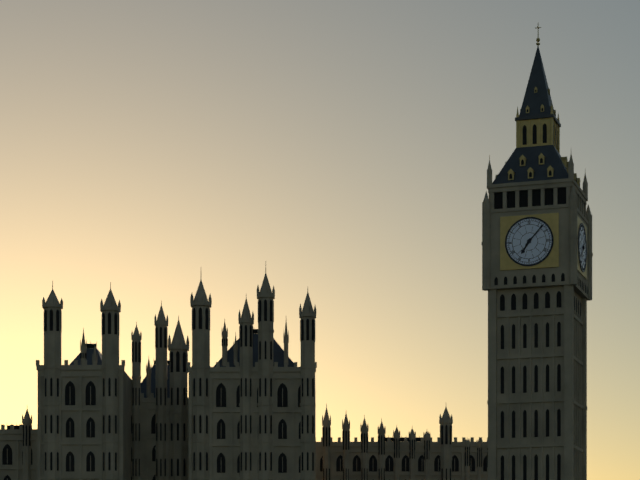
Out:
7,07
